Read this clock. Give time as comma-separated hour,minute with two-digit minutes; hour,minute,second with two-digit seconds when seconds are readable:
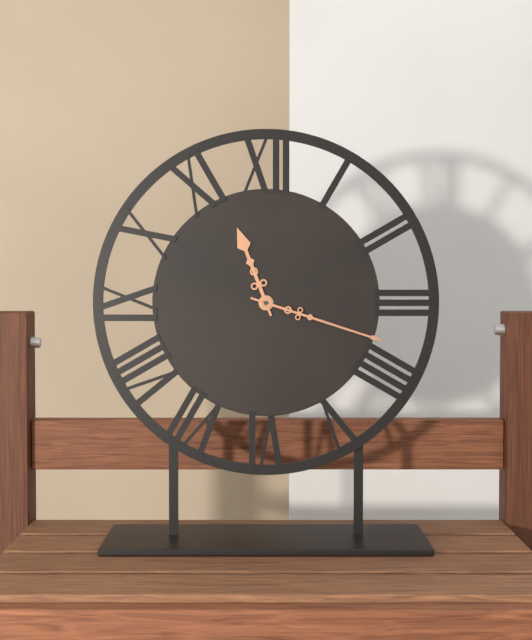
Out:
11,18
